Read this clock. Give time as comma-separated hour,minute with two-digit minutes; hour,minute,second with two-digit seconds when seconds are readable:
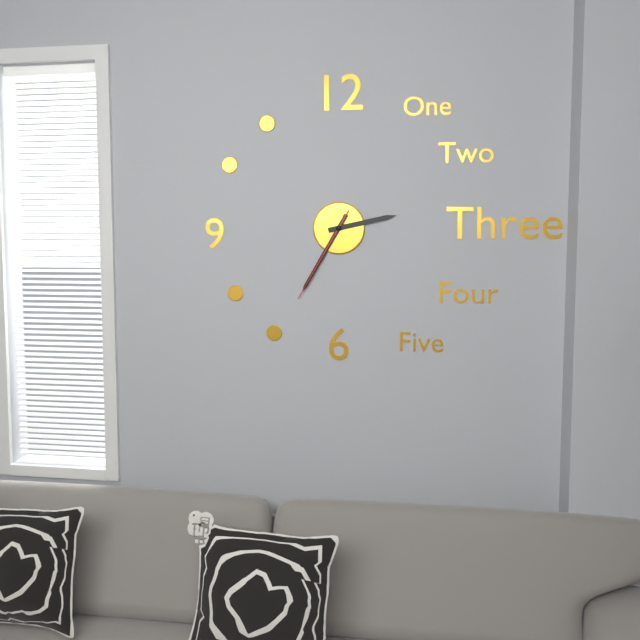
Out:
2,35,35
